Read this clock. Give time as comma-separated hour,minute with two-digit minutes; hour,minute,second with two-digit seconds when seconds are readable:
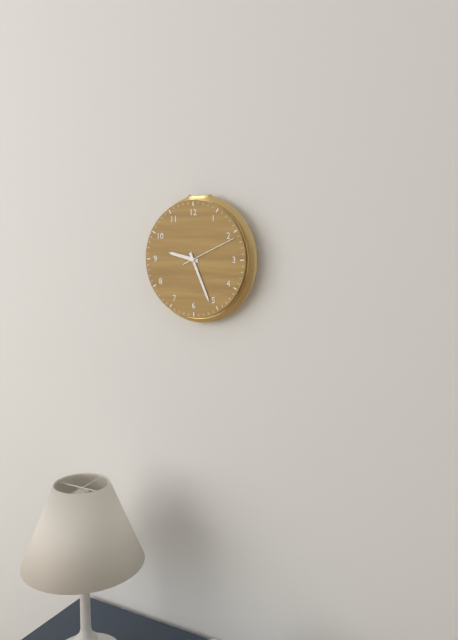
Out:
9,26,11
